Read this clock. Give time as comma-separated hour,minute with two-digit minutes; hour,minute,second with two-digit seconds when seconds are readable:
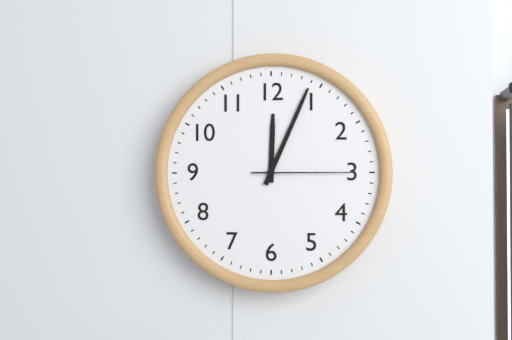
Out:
12,04,15
